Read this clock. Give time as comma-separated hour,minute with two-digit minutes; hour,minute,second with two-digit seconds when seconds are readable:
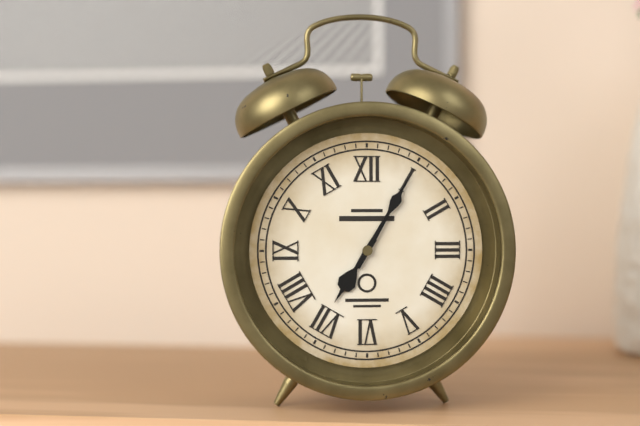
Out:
7,05
